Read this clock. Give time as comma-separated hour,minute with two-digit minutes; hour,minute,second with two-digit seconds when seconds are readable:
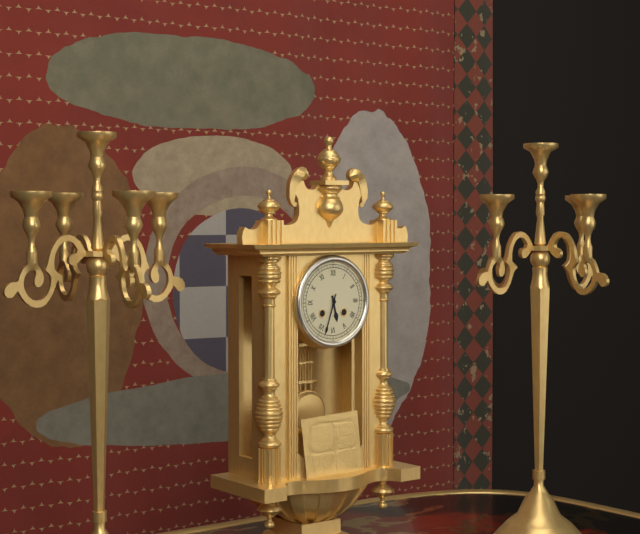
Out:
5,33
